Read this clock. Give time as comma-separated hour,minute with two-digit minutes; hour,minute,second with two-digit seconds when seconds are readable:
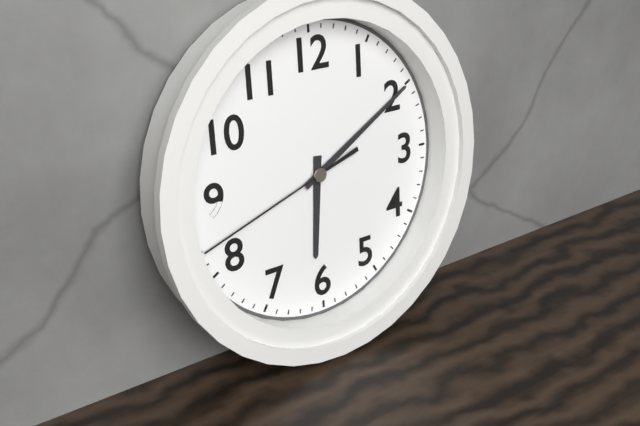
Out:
6,10,42
